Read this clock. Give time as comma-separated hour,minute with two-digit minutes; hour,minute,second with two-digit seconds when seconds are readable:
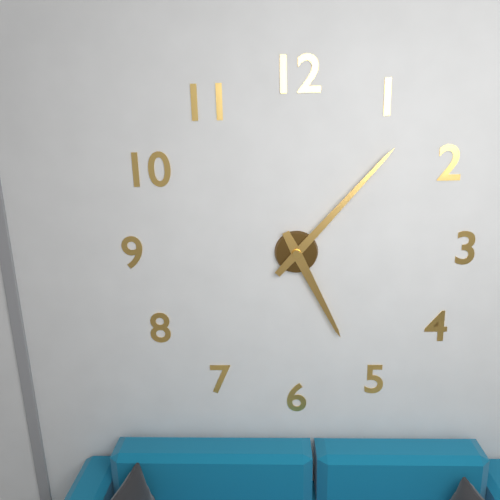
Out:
5,07
